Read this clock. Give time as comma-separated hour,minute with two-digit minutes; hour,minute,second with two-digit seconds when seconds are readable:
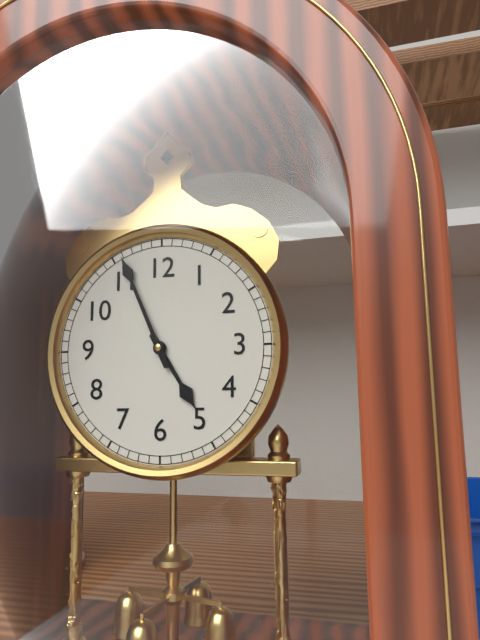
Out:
4,56
